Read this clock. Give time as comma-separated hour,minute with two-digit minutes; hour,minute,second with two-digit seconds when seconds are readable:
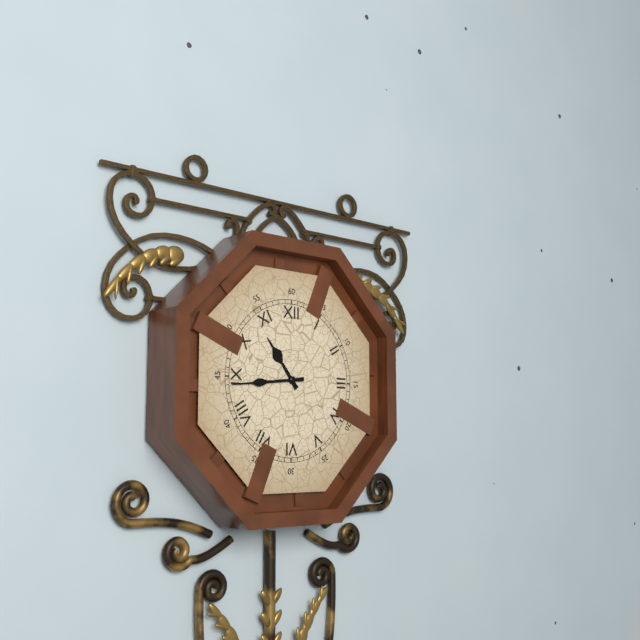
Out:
10,44
